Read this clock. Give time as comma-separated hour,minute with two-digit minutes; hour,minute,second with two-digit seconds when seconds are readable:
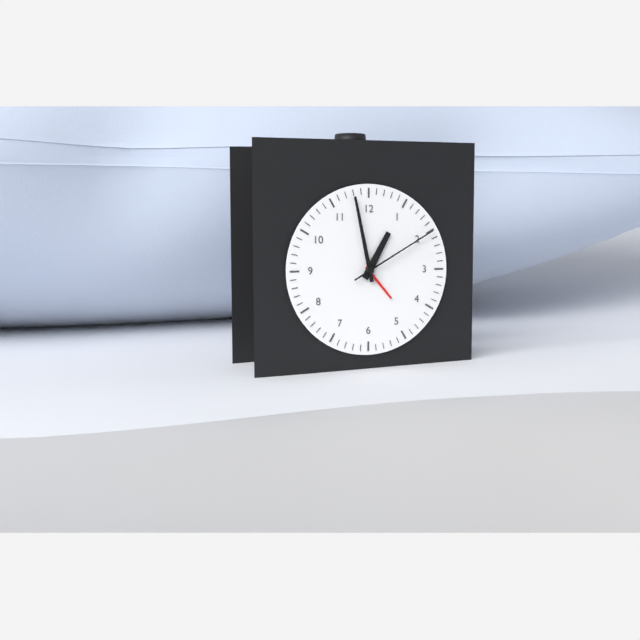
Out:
12,58,10
